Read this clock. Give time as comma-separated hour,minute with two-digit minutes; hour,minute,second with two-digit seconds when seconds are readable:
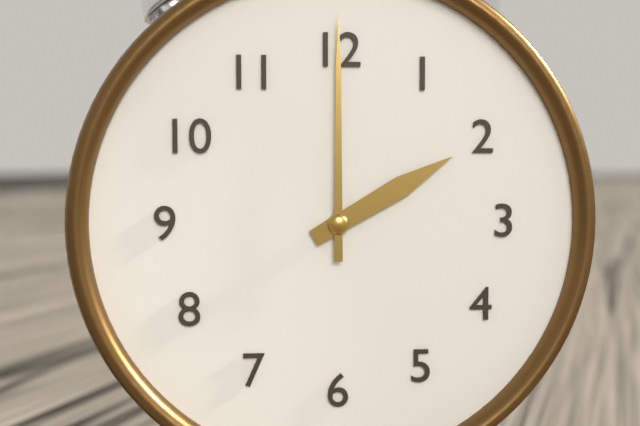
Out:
2,00
